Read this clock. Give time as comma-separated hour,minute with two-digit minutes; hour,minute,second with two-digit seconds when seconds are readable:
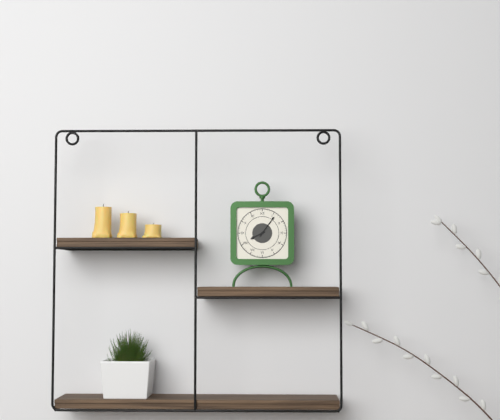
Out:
8,06
